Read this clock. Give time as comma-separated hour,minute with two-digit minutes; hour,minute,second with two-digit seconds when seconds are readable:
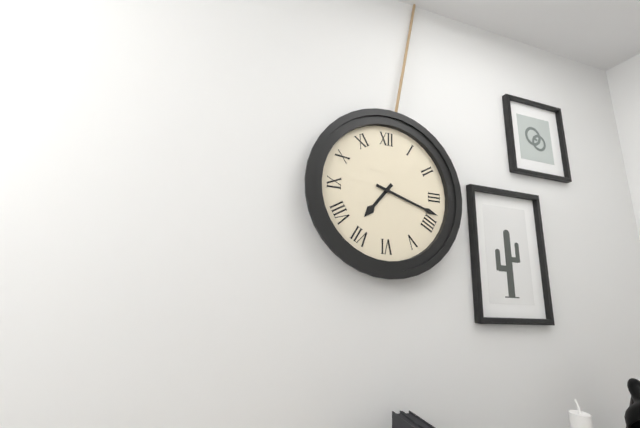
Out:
7,18
